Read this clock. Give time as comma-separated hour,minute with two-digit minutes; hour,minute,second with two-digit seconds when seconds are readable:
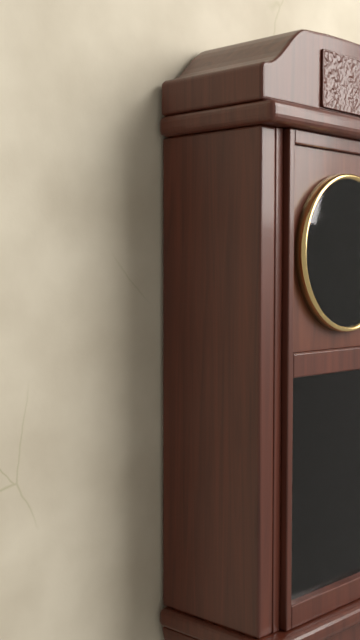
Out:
7,46
